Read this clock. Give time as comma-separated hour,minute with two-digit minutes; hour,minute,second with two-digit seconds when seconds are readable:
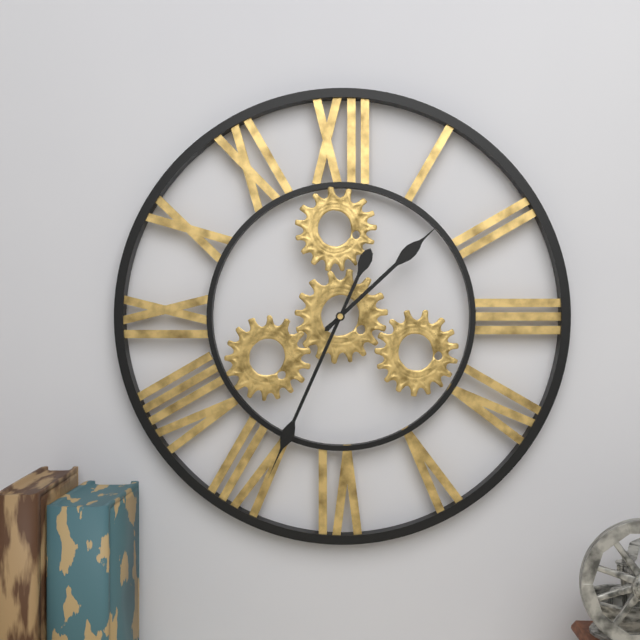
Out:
1,34
